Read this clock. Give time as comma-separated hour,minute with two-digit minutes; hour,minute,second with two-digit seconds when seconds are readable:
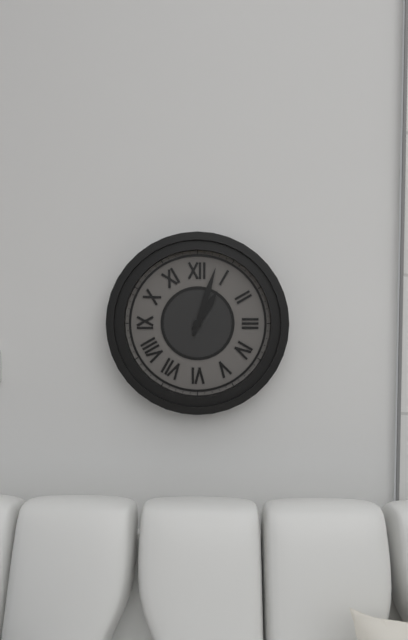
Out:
1,03
